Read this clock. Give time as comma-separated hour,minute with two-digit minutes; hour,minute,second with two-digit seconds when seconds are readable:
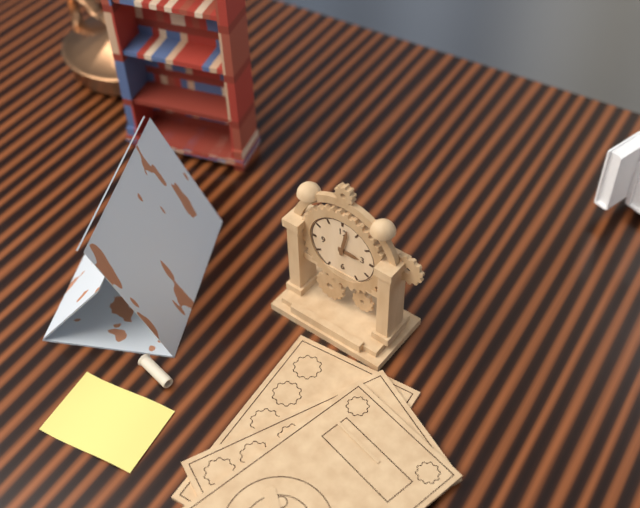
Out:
3,02
